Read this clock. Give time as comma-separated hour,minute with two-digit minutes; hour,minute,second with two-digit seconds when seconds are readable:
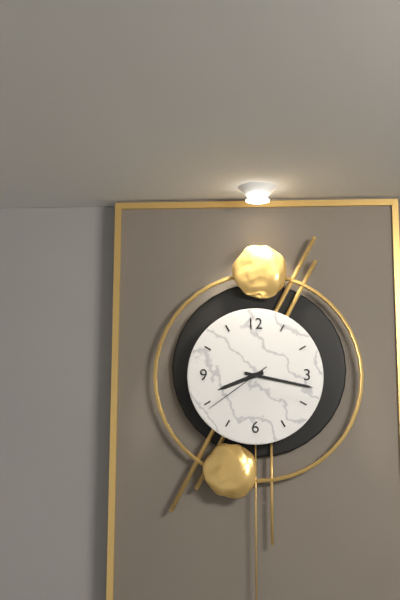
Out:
8,17,39
